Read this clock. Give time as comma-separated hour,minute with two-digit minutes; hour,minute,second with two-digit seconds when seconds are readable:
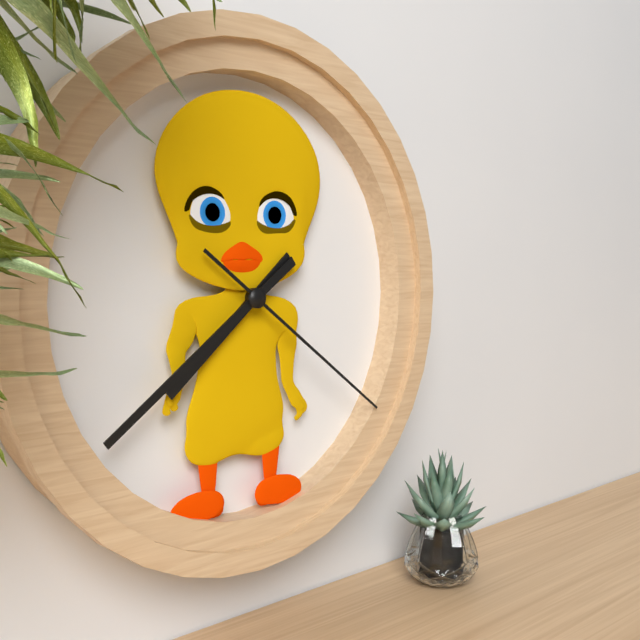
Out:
7,39,21
